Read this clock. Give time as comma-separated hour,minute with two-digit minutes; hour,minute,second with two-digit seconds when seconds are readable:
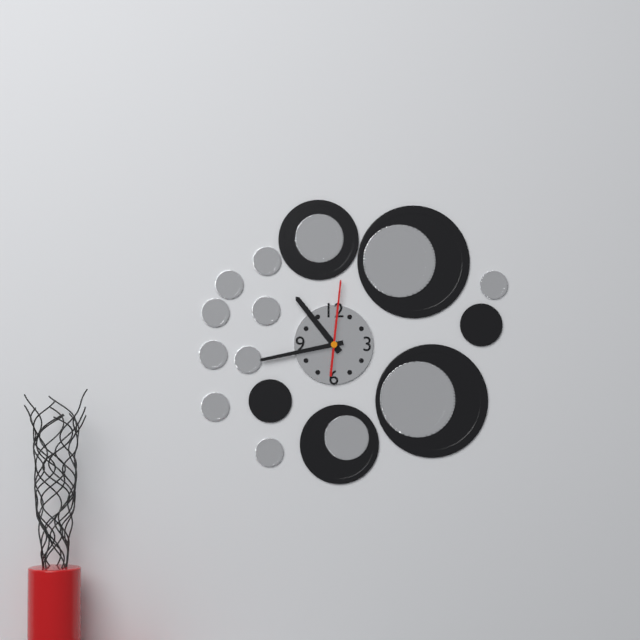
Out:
10,43,01
